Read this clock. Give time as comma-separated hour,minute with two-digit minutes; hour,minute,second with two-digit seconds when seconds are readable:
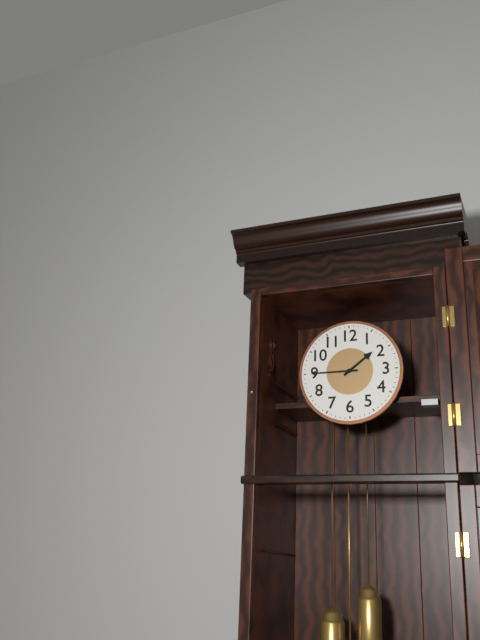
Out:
1,45
